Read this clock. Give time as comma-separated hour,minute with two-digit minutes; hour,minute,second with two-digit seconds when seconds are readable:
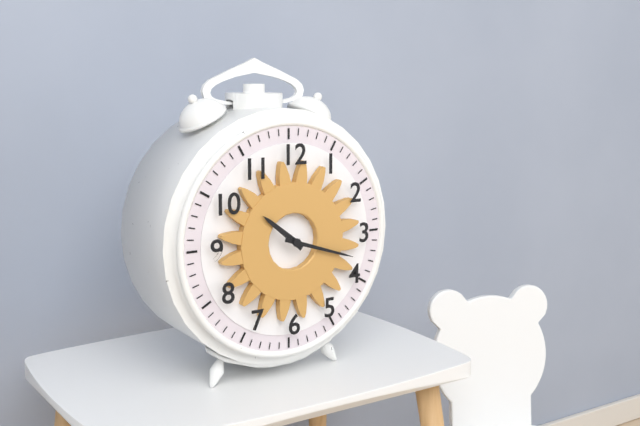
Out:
10,18
